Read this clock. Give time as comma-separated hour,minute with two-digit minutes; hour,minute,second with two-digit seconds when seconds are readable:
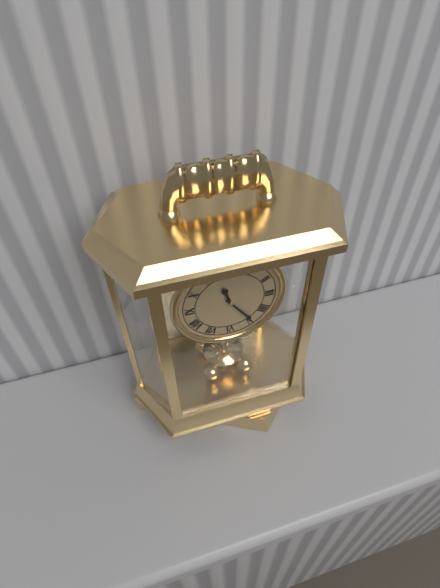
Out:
11,24
